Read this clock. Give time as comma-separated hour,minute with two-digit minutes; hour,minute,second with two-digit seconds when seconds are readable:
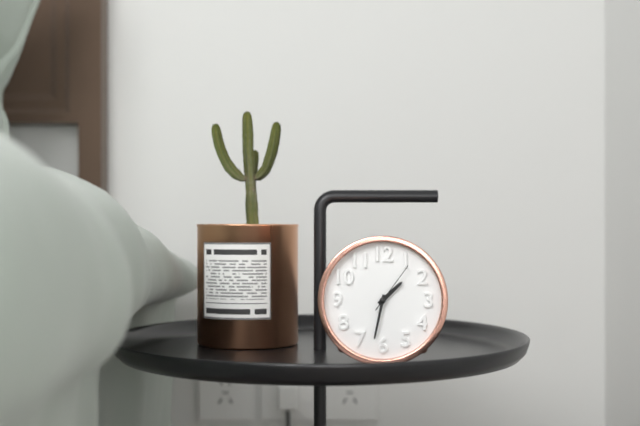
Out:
1,32,06
